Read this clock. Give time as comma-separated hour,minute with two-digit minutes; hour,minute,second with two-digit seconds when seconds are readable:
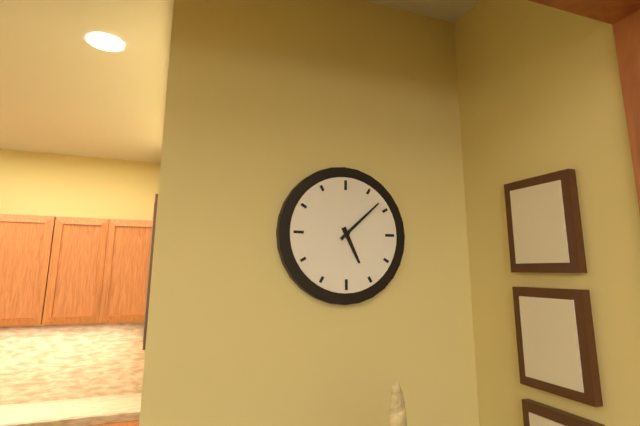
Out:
5,08
